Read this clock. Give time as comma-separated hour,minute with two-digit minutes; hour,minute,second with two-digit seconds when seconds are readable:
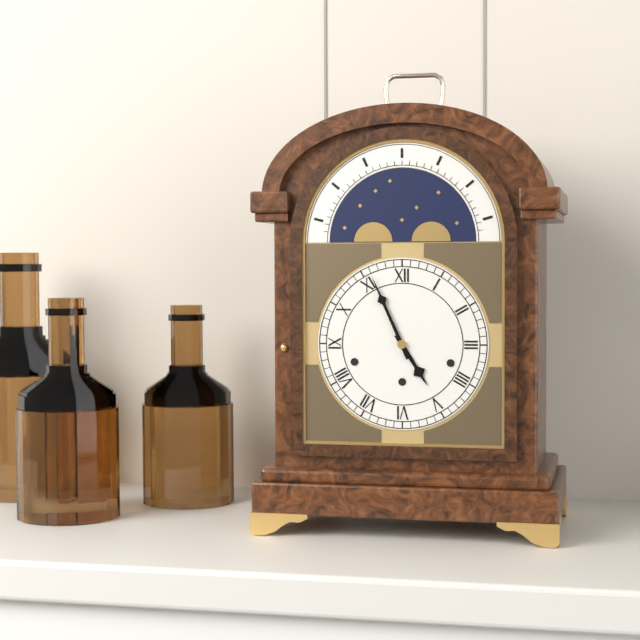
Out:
4,56
